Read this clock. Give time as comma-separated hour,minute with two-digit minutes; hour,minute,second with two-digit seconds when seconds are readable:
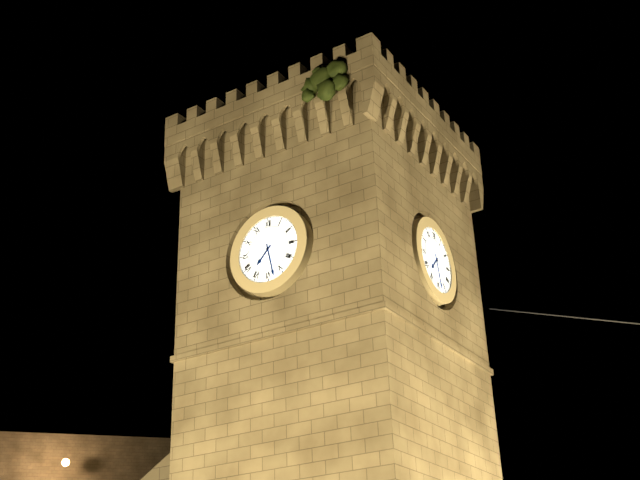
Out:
7,28
